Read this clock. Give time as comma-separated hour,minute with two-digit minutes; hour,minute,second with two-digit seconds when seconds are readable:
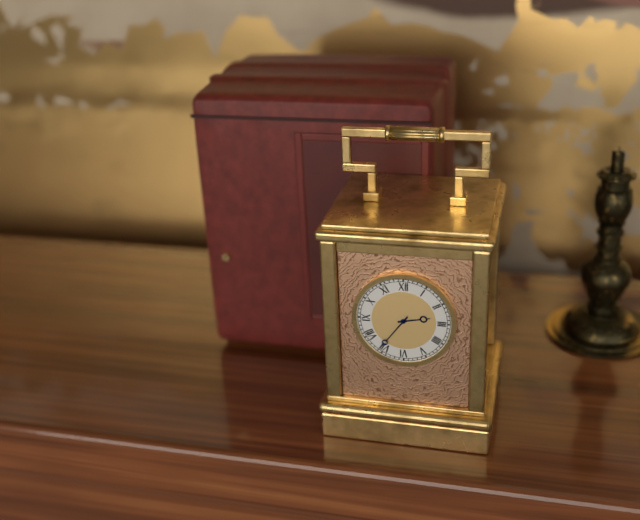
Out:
2,36
